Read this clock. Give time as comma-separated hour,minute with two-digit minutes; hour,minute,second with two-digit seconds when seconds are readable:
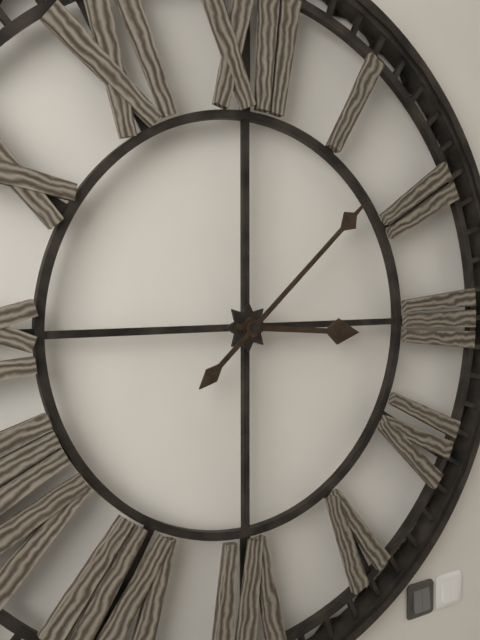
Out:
3,08
